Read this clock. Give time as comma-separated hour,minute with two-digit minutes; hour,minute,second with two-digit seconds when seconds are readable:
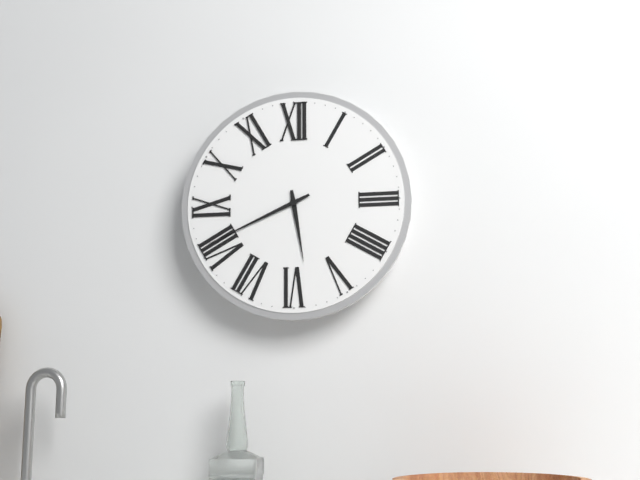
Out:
5,41
